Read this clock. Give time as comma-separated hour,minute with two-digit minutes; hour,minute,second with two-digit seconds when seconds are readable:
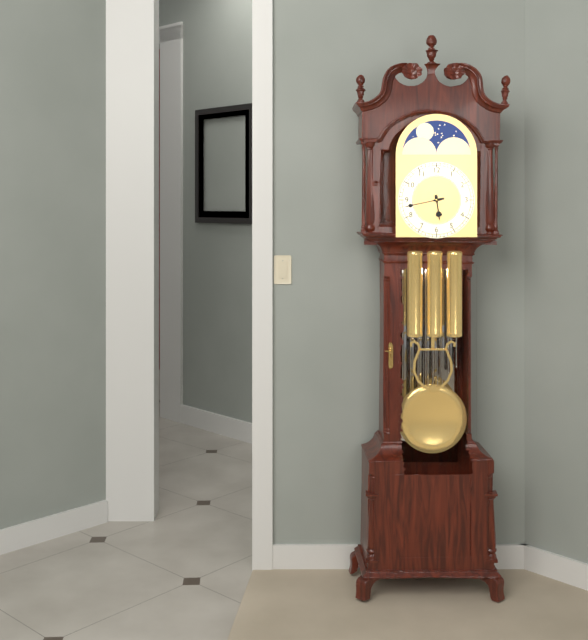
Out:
5,43
